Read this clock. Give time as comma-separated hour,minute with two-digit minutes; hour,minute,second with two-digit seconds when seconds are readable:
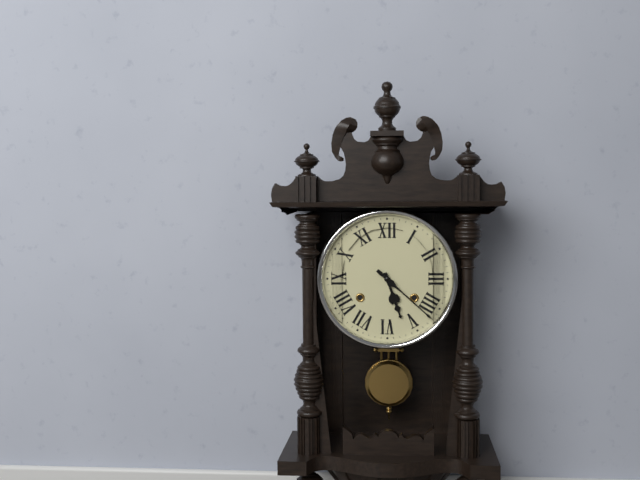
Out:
5,22
